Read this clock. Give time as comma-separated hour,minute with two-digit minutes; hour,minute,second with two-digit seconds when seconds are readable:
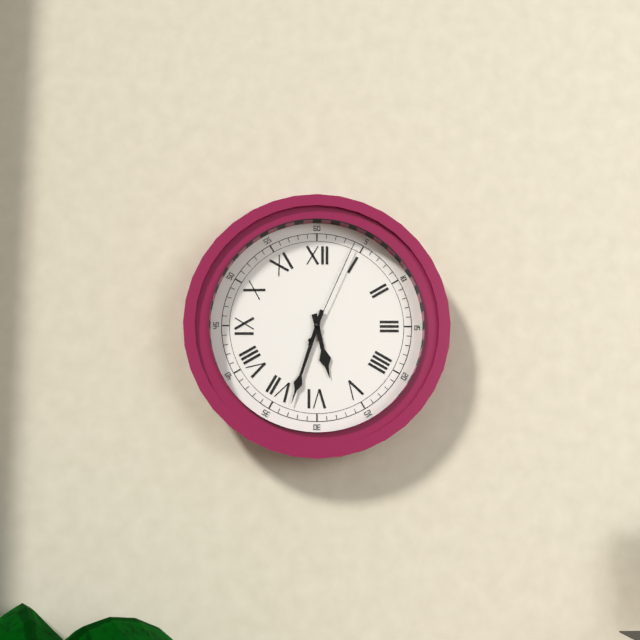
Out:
5,33,04
